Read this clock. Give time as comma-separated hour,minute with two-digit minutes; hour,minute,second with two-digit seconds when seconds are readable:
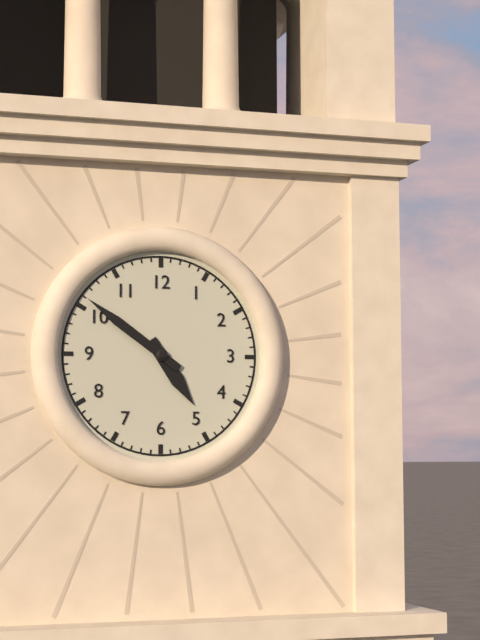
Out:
4,51
